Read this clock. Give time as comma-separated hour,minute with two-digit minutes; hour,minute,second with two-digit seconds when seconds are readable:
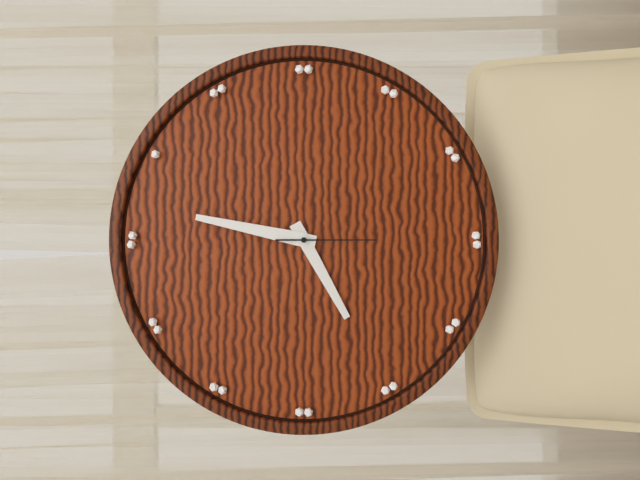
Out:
8,02,30
